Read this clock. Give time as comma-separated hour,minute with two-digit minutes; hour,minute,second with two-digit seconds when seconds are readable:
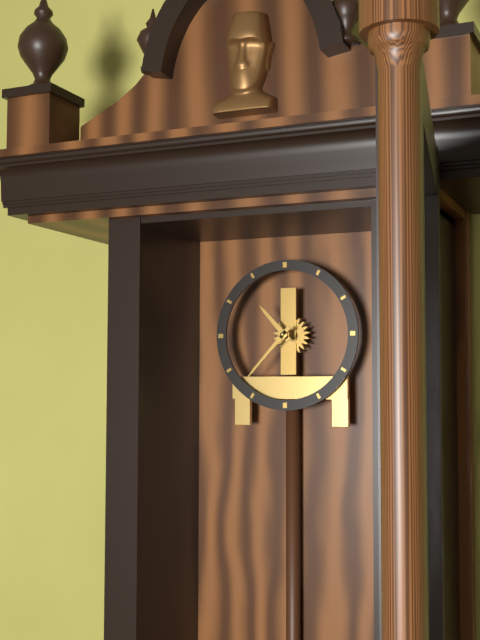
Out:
10,37
